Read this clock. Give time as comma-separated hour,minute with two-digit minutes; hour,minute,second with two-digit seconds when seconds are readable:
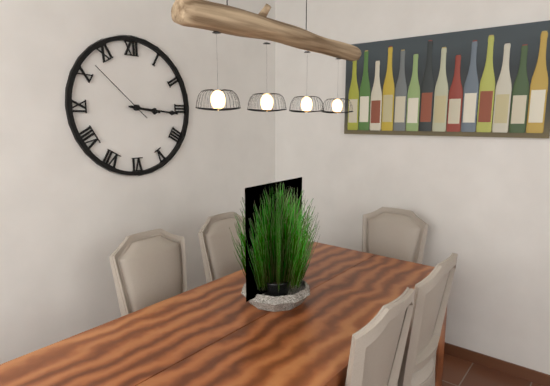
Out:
3,16,52
